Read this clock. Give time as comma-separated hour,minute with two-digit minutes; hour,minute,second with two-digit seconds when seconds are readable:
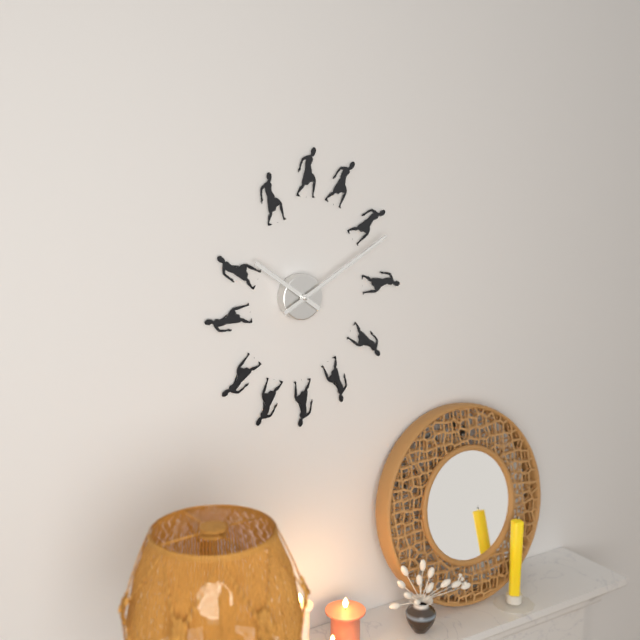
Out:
10,10
